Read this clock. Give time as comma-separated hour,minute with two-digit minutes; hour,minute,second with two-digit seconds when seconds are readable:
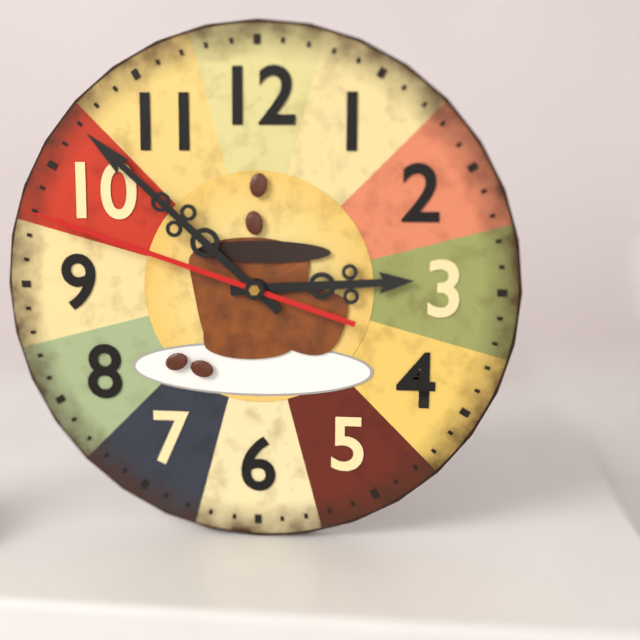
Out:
2,52,48
